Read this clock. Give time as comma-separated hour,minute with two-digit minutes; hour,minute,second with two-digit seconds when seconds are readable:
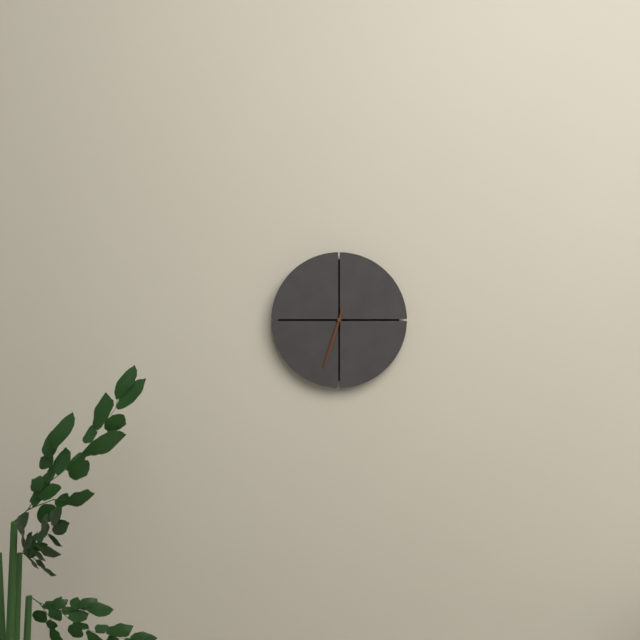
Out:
6,33
